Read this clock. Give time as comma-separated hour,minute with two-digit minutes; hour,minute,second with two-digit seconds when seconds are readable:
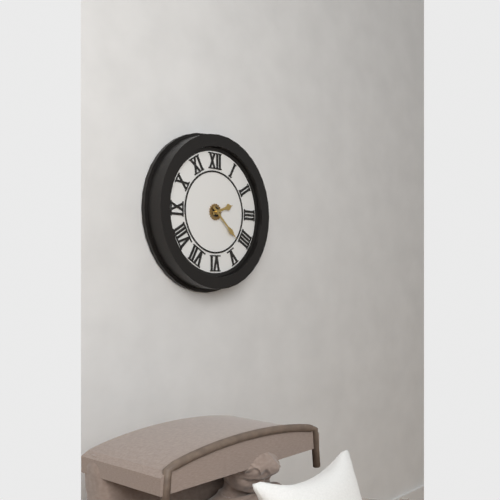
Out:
2,22
